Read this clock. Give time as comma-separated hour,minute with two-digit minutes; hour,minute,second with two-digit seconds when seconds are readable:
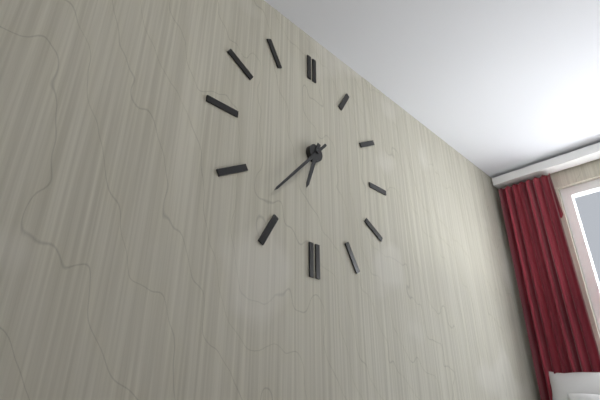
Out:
6,37
